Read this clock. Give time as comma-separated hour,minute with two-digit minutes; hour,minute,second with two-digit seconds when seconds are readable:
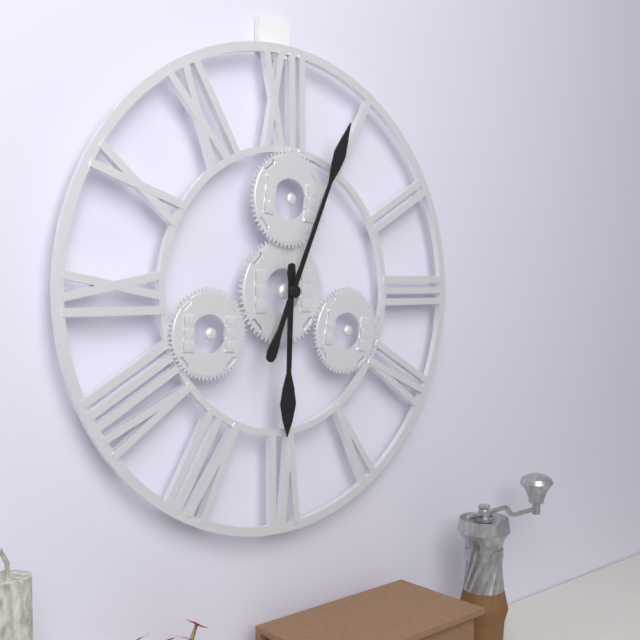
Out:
6,04
